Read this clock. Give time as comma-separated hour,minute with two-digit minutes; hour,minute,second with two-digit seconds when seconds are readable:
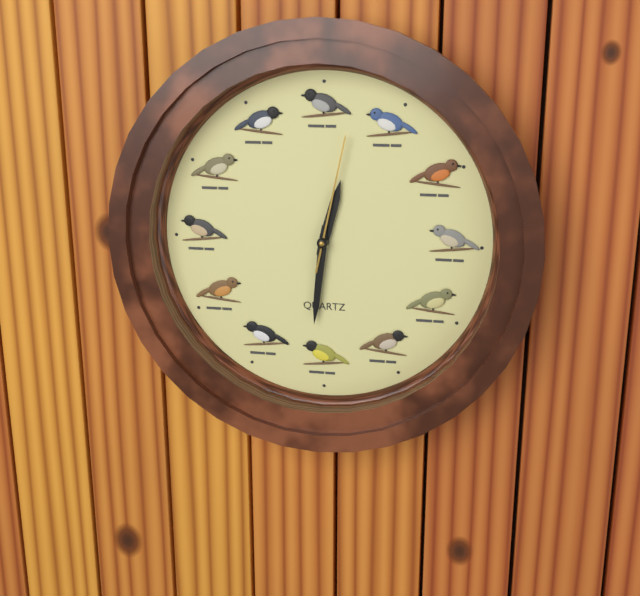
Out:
12,31,02
